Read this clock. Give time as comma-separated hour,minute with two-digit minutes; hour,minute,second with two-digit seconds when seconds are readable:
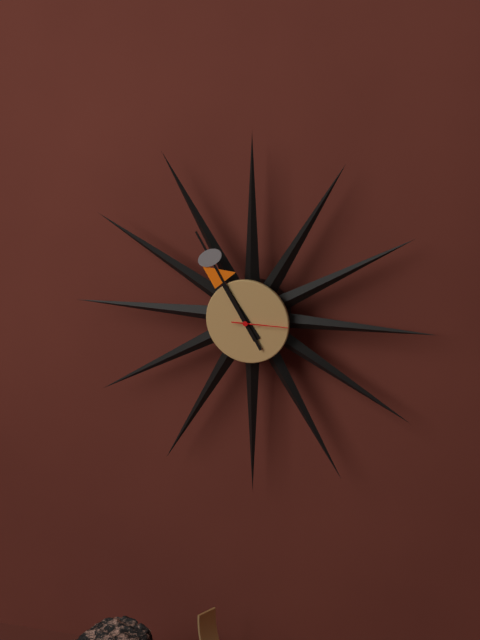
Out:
10,55
